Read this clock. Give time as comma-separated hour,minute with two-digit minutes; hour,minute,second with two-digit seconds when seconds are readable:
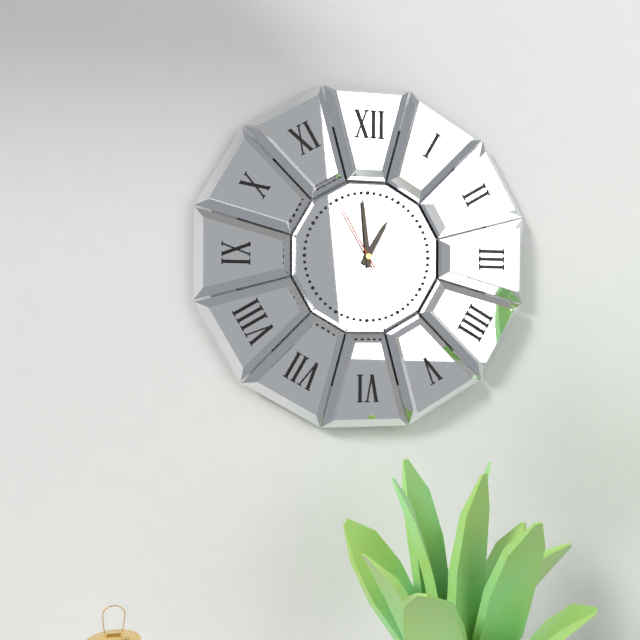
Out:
12,59,55
